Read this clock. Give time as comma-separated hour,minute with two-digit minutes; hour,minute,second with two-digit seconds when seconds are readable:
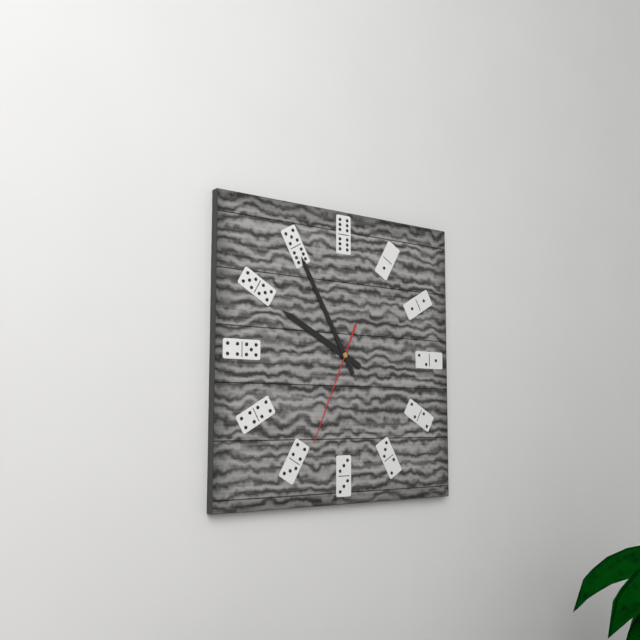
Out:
9,55,34
